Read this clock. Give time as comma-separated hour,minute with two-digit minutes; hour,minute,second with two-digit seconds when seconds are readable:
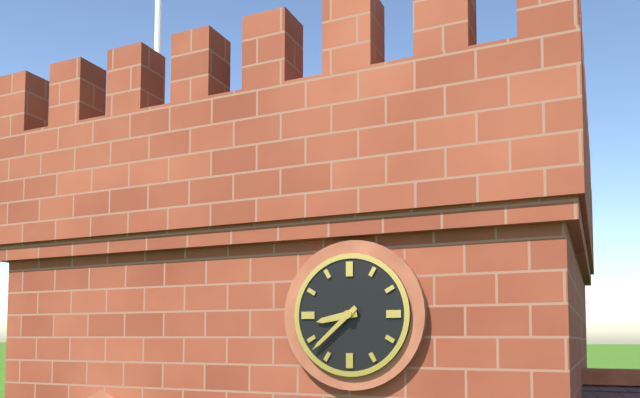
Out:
8,38
